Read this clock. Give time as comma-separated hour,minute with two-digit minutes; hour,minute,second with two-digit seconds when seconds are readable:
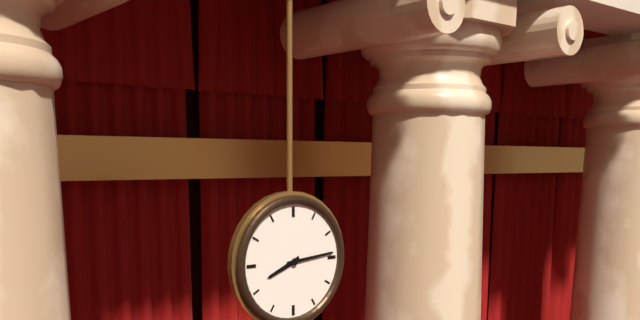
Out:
8,14
